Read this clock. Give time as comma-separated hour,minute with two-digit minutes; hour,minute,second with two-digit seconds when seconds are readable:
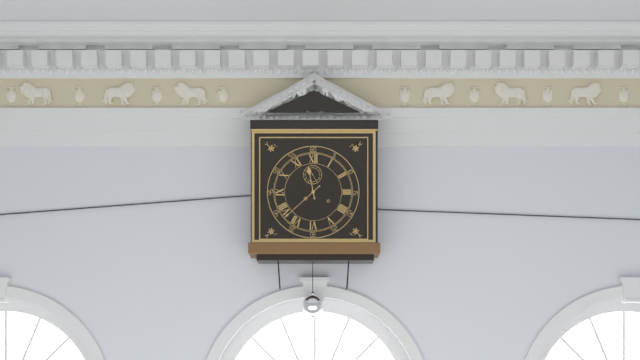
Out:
11,38
